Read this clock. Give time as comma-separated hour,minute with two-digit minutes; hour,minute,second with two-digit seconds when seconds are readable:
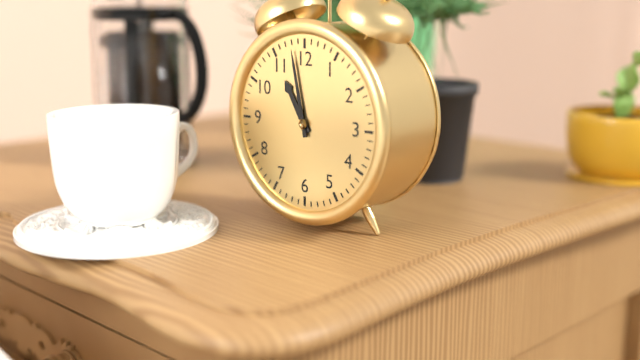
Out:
10,58
